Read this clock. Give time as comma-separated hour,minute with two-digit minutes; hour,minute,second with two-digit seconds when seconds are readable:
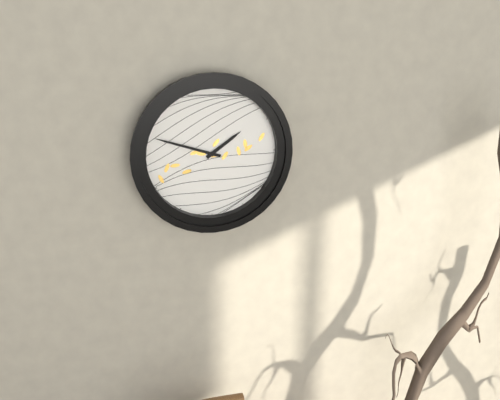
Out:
1,48
